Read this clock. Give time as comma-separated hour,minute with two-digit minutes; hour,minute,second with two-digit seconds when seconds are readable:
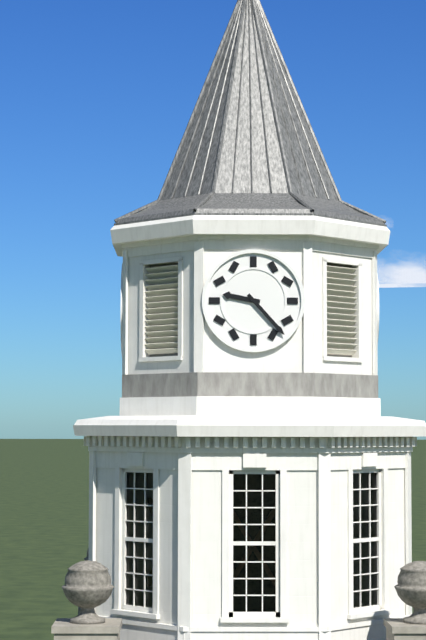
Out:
9,23
